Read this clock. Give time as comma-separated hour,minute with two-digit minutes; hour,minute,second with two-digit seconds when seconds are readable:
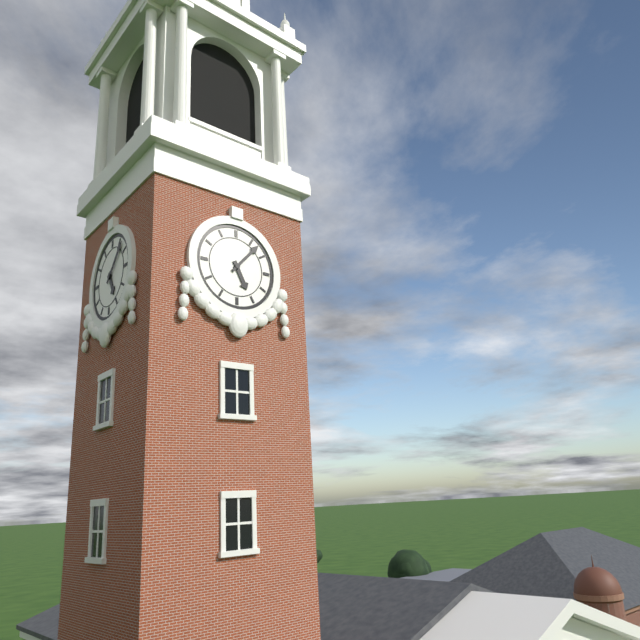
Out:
5,07
